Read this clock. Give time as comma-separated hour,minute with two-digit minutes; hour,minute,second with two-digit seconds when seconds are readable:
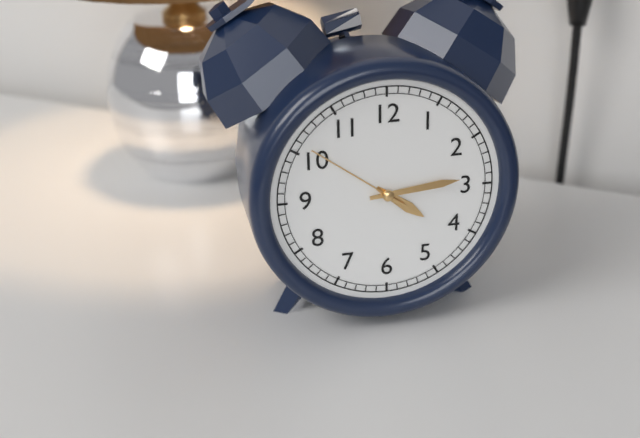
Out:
4,14,51
